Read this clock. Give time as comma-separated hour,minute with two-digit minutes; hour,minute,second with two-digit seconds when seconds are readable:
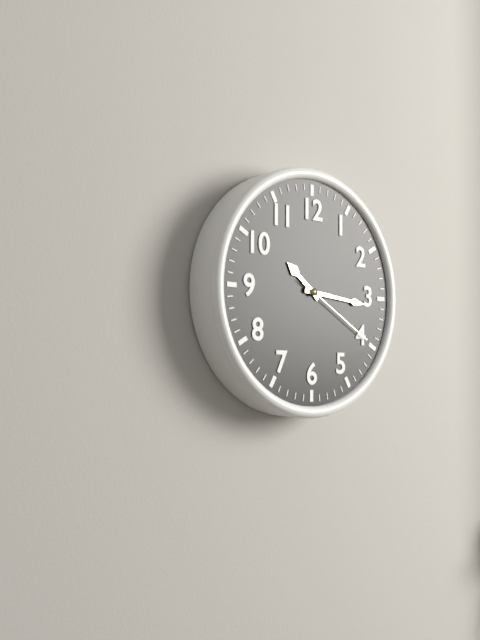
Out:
10,16,20
